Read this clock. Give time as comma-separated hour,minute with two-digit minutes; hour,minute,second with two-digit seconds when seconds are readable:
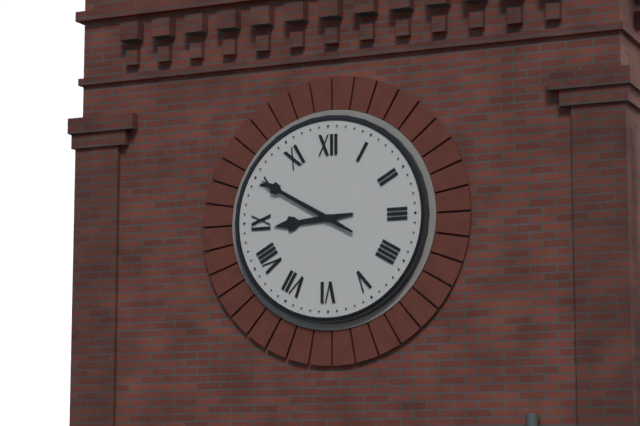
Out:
8,50
